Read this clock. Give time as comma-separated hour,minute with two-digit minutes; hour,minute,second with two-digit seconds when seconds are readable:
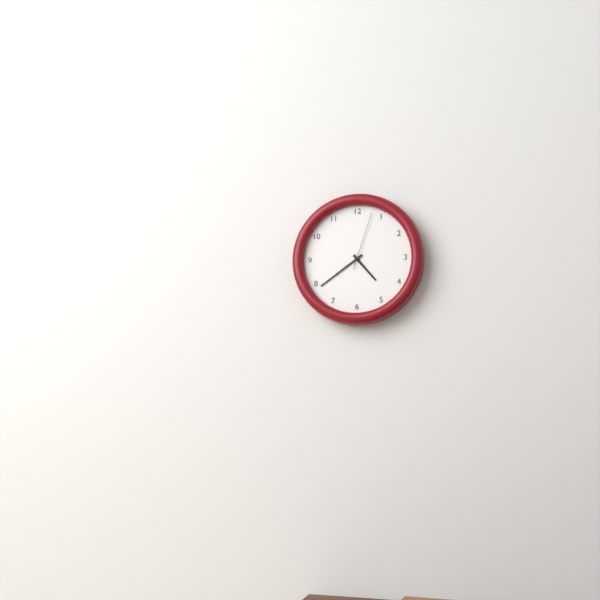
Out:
4,39,03
